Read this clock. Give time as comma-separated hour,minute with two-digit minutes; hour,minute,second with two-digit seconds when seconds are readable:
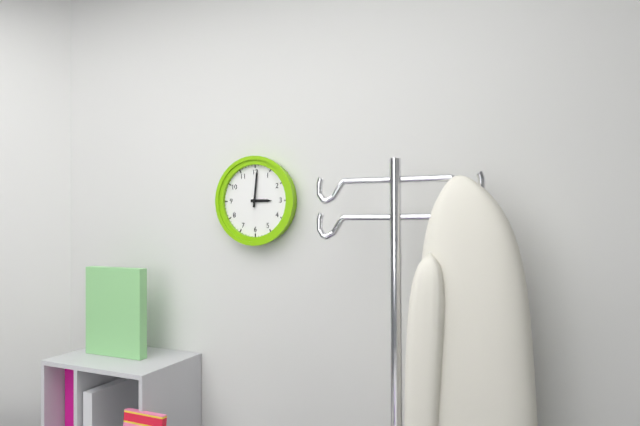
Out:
3,01
